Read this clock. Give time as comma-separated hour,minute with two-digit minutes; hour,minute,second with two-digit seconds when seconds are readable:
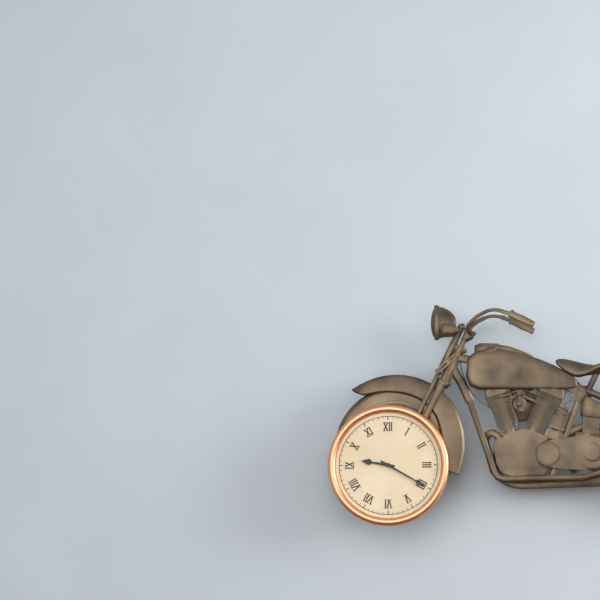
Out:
9,20
